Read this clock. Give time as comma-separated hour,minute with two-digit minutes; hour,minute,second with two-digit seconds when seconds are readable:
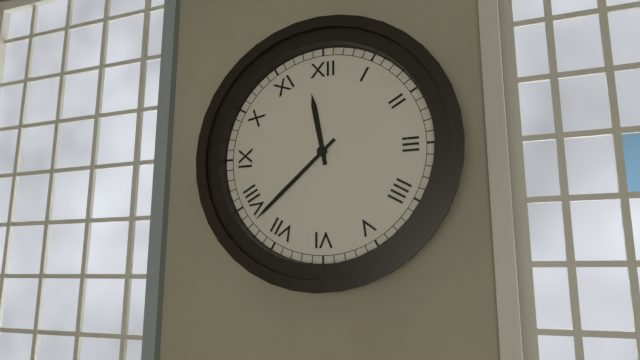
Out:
11,38
